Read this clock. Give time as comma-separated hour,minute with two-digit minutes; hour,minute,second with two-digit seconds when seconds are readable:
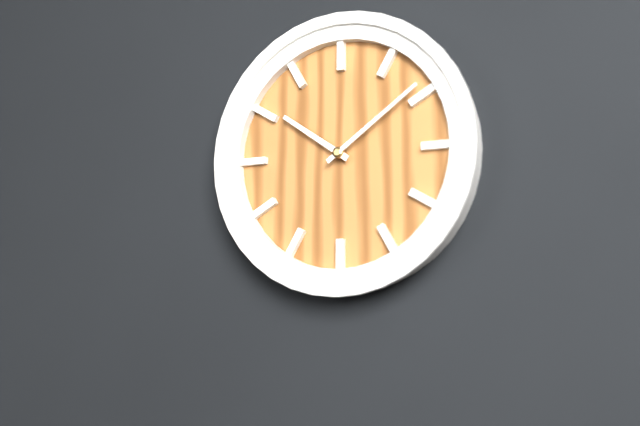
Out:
10,09
